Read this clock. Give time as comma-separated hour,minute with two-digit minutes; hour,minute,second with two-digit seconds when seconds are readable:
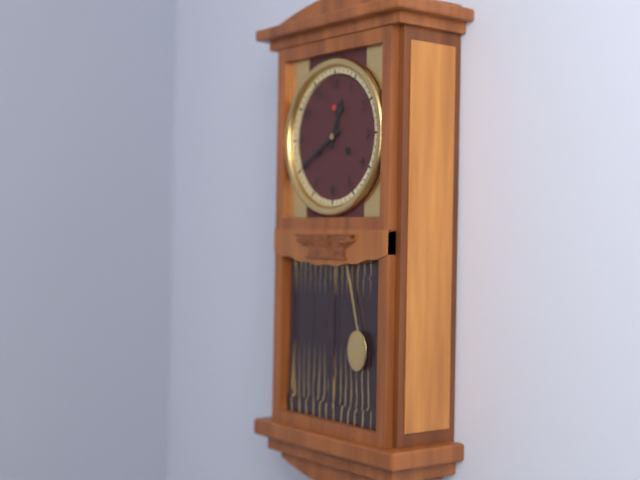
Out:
12,40
